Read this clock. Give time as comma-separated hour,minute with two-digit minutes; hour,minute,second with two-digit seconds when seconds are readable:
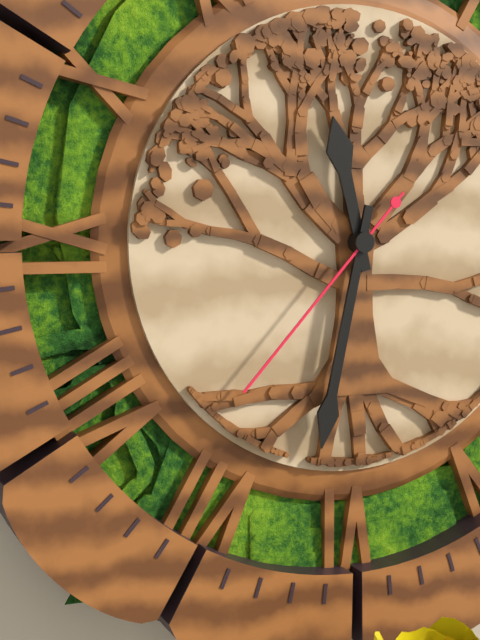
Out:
11,32,37
